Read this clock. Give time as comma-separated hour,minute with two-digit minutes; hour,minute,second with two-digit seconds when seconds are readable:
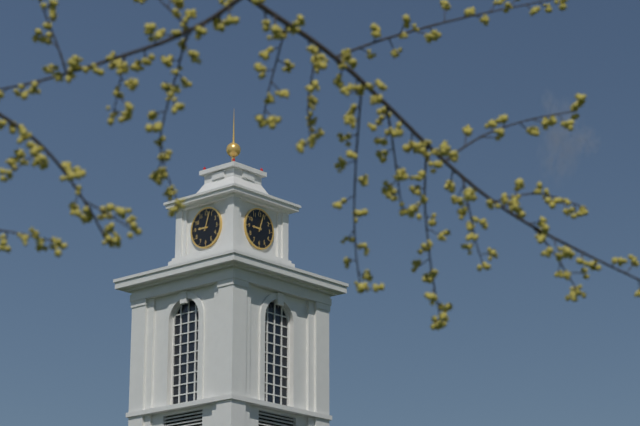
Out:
9,03
